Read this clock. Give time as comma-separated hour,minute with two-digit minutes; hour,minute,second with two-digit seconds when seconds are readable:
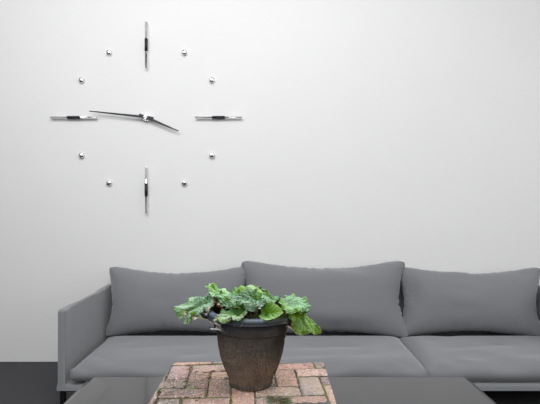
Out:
3,46
